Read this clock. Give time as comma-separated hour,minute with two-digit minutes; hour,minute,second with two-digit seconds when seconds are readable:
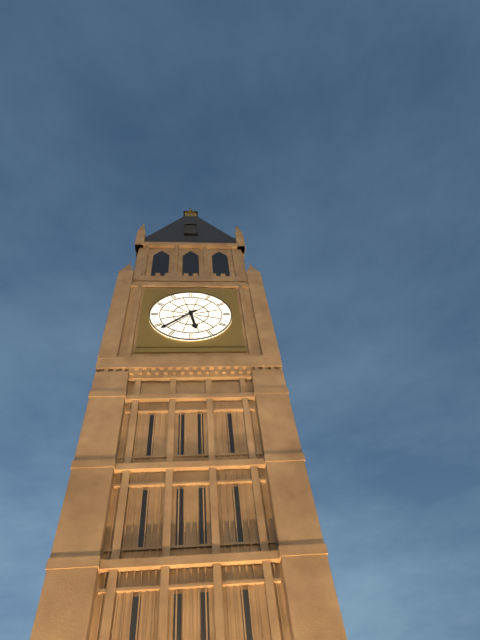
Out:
5,38
